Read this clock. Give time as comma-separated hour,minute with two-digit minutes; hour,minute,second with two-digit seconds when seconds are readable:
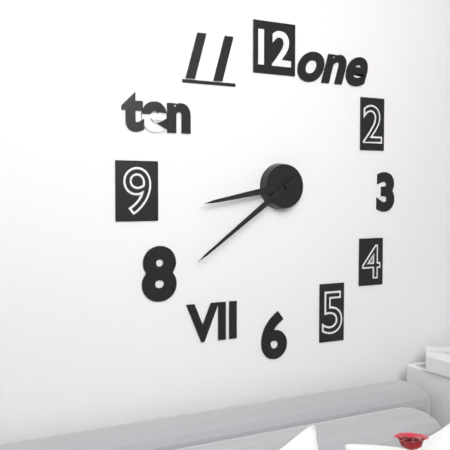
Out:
8,39
